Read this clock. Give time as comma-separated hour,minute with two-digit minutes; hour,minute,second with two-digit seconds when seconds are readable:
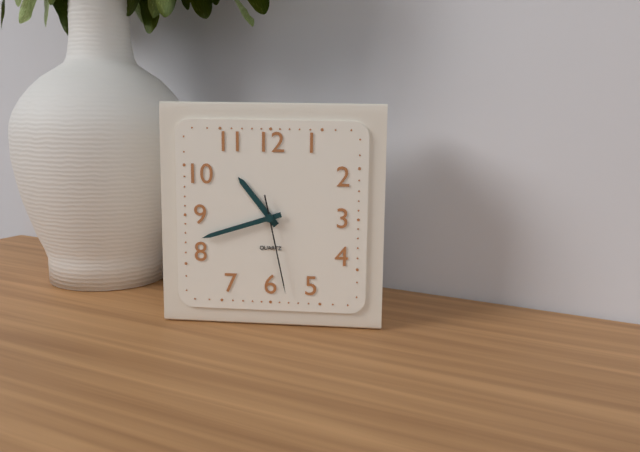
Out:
10,42,28
